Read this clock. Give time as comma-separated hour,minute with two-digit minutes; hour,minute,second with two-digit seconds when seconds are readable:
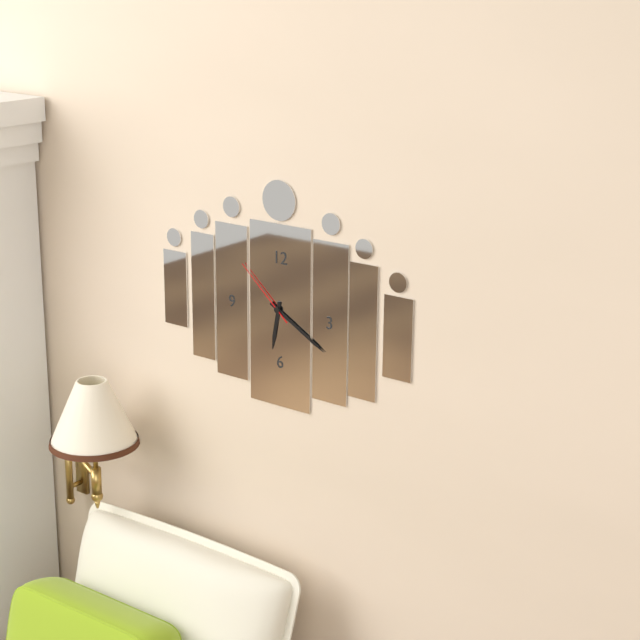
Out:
6,20,52
